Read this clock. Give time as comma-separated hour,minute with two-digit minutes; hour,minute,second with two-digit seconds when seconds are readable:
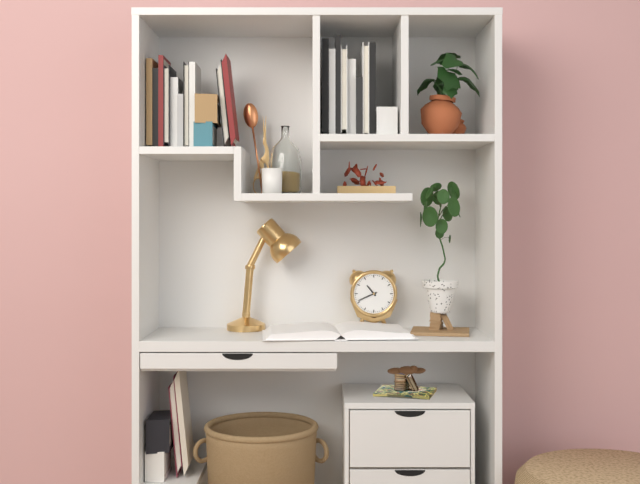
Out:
10,41
